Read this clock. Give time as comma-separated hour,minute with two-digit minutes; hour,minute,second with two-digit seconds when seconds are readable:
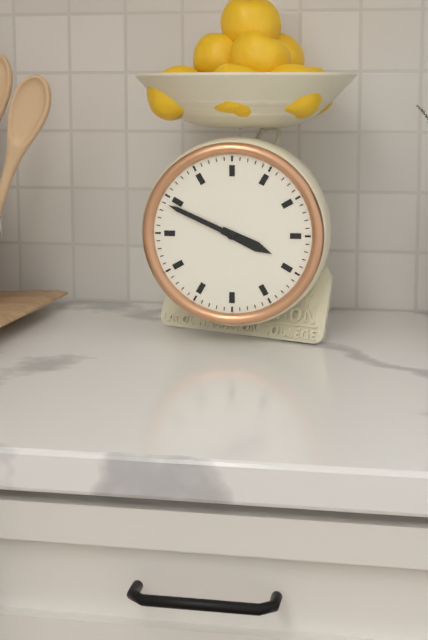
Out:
3,49
